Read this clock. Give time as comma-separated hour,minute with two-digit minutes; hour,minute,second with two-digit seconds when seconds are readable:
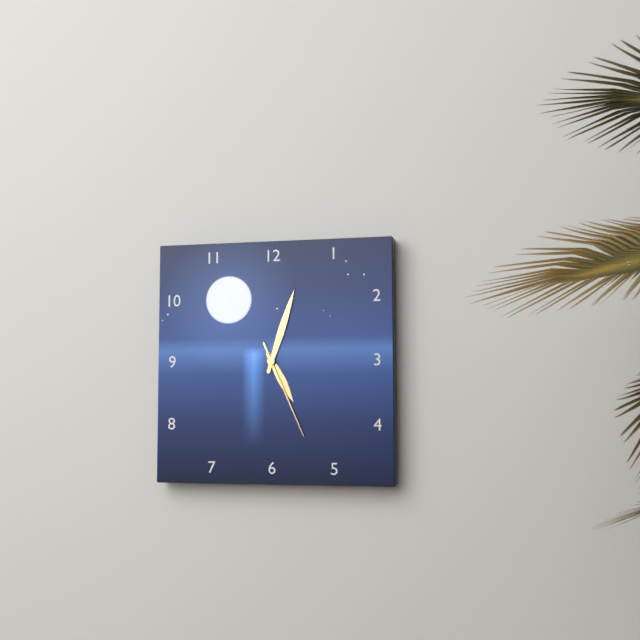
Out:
5,03,26
